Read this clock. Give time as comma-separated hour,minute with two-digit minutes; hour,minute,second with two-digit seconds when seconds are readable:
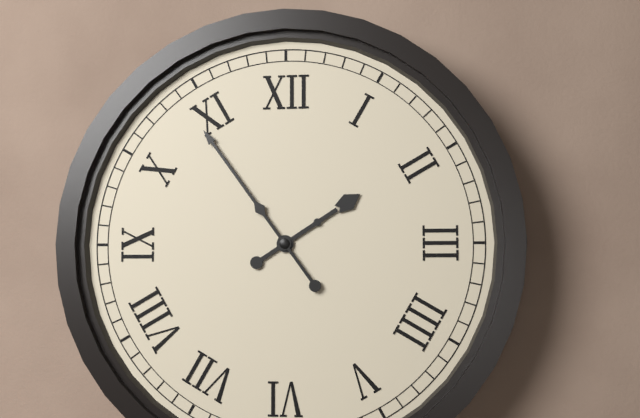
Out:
1,54
